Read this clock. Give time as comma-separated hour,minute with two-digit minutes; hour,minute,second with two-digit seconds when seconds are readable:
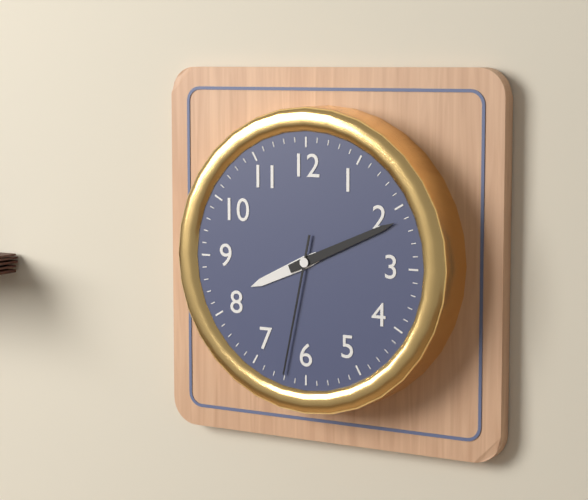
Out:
8,11,32
